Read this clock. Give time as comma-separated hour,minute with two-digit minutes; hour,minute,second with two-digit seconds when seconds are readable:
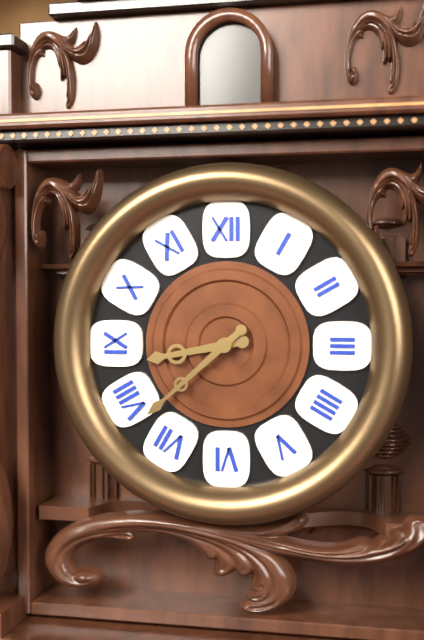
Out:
8,38
